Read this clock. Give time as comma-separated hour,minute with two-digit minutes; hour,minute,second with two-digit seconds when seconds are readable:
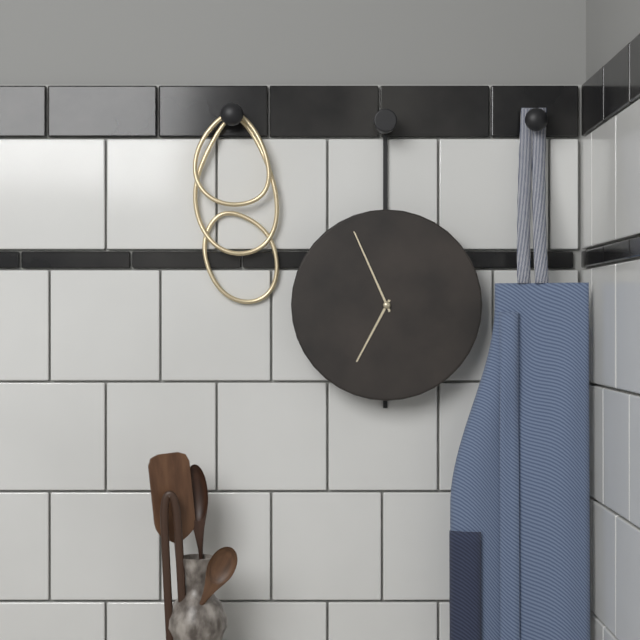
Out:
6,56
